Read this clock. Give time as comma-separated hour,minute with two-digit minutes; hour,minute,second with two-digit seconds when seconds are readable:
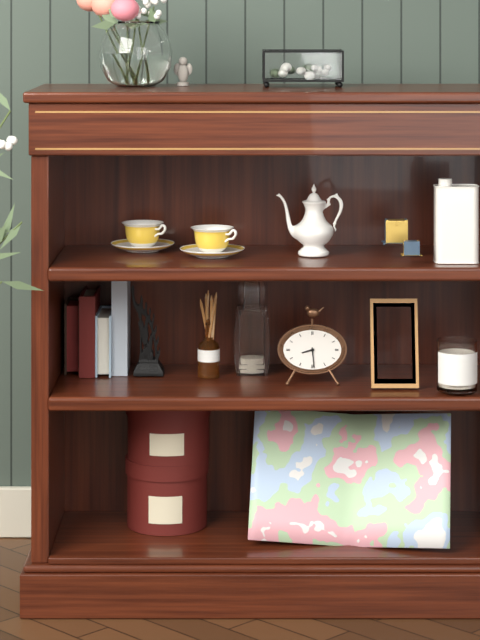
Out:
8,29
